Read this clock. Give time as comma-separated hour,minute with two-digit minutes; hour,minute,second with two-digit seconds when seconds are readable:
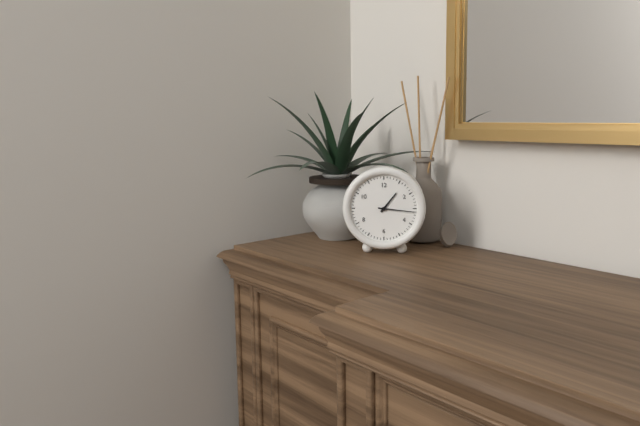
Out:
1,16
